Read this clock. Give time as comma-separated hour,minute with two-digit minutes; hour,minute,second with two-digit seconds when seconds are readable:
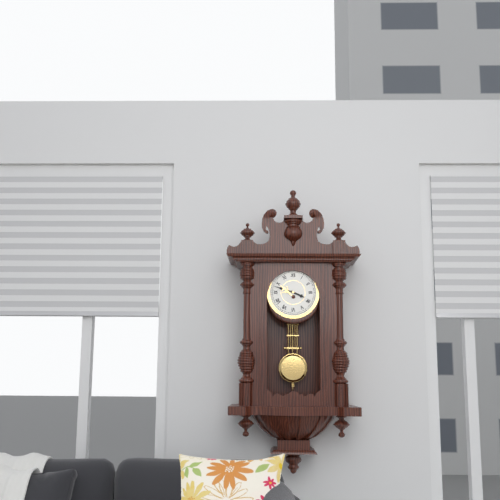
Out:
3,48
